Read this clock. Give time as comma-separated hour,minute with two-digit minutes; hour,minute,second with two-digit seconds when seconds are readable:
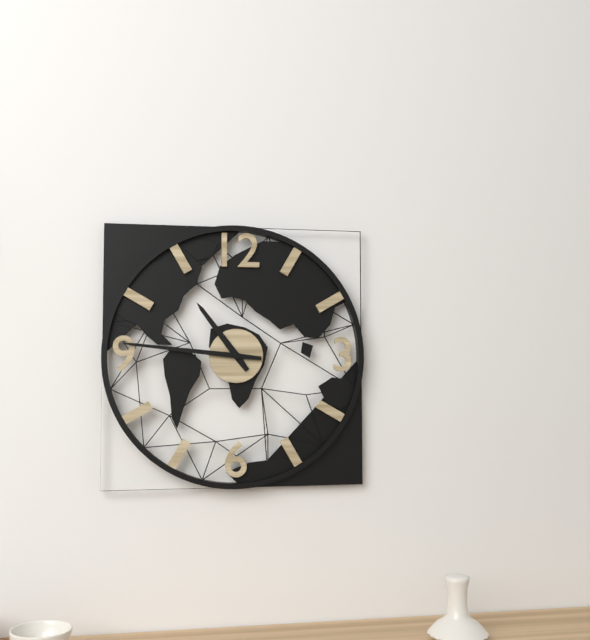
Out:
10,46
